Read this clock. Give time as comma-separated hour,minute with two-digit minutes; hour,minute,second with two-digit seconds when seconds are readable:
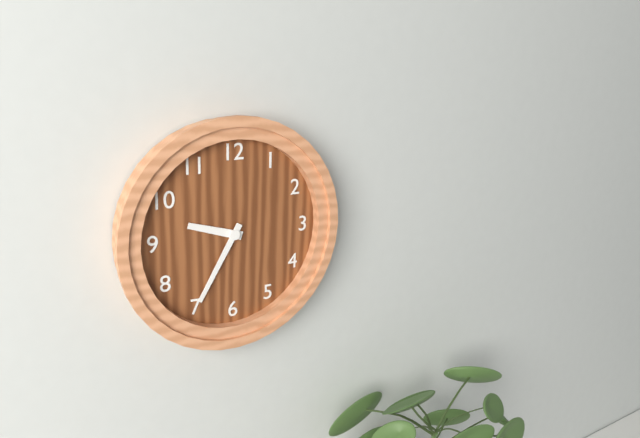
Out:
9,35
